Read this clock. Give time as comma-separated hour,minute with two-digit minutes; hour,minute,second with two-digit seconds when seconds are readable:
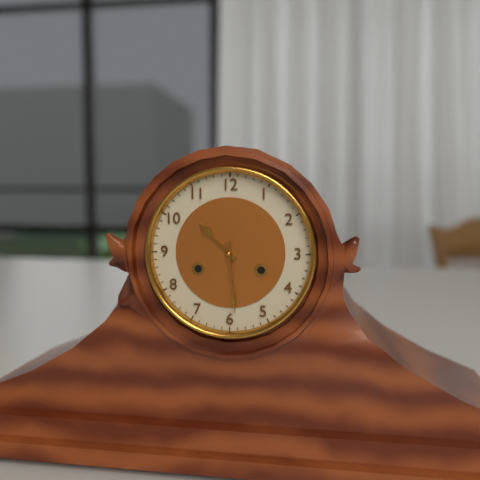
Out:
10,29
